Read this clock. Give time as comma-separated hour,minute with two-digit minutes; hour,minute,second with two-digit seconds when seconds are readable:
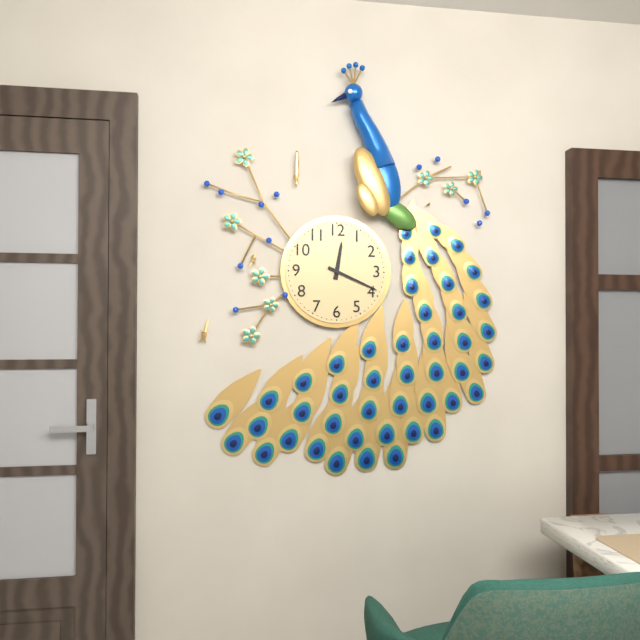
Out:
12,19
